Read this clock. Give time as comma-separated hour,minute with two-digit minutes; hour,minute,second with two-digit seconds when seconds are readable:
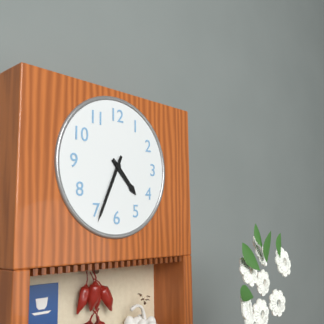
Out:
4,34
